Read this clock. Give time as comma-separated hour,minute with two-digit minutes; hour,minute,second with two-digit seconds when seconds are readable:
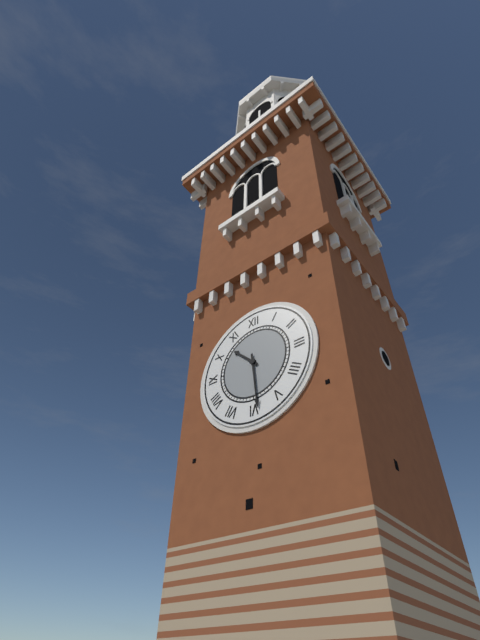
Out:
10,29
